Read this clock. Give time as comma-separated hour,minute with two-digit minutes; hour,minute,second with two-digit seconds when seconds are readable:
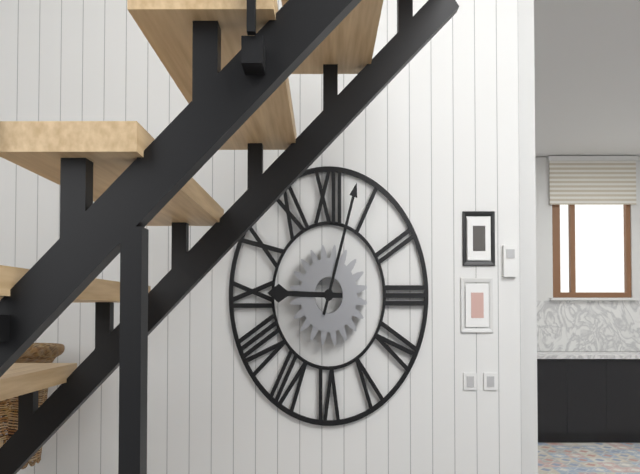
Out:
9,03
